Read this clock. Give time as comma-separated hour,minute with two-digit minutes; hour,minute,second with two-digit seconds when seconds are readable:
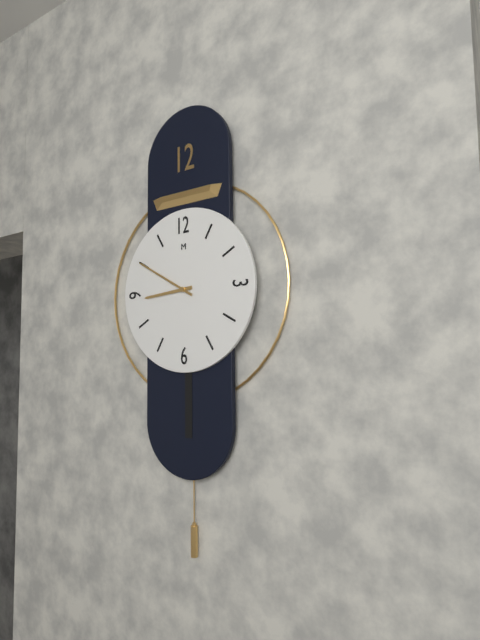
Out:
8,50
